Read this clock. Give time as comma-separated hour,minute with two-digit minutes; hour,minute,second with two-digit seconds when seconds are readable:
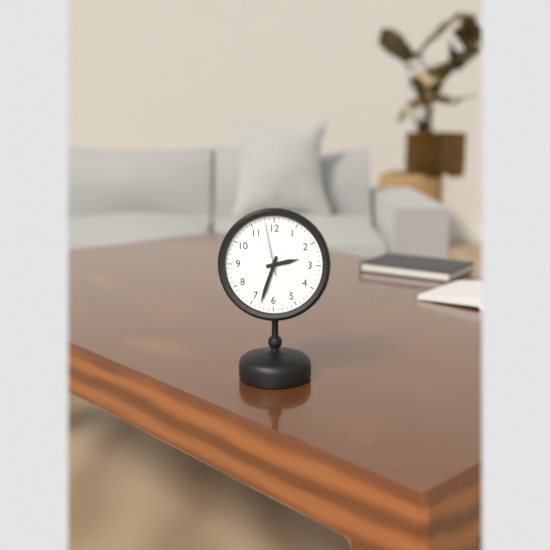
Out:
2,33,58
